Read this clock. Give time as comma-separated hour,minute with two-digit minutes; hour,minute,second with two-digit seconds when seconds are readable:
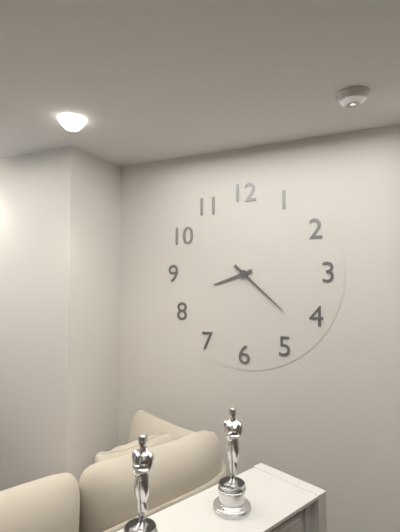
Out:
8,22
